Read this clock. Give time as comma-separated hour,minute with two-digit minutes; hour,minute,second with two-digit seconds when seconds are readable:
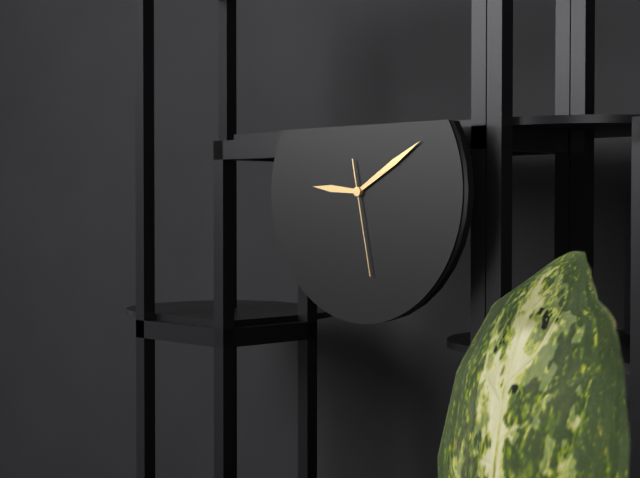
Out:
9,10,28
